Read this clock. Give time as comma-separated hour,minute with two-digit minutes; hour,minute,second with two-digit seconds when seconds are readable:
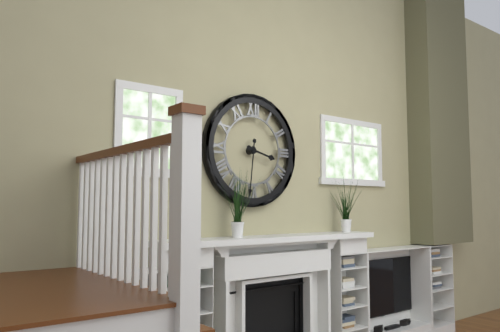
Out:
3,31
